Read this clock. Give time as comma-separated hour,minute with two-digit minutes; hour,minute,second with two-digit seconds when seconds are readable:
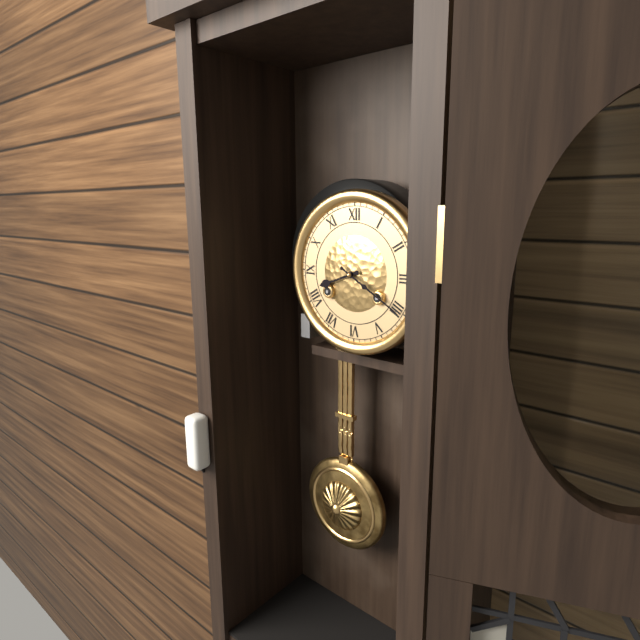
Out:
8,20
